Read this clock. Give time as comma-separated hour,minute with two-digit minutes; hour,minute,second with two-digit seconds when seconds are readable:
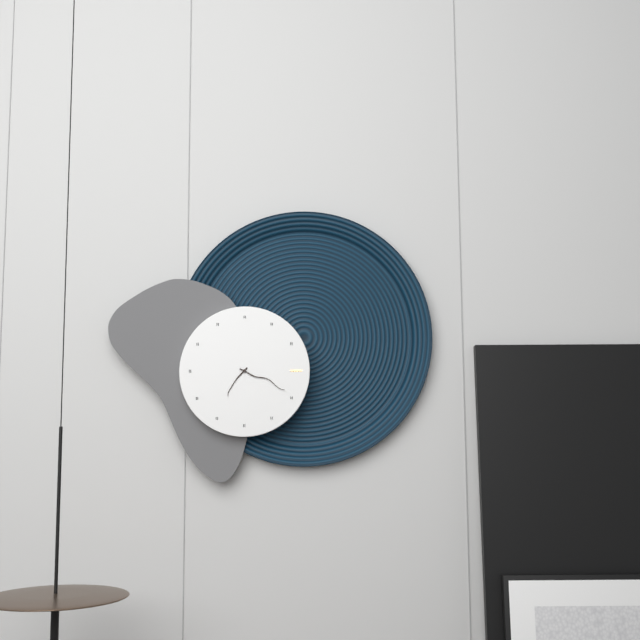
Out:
7,19
